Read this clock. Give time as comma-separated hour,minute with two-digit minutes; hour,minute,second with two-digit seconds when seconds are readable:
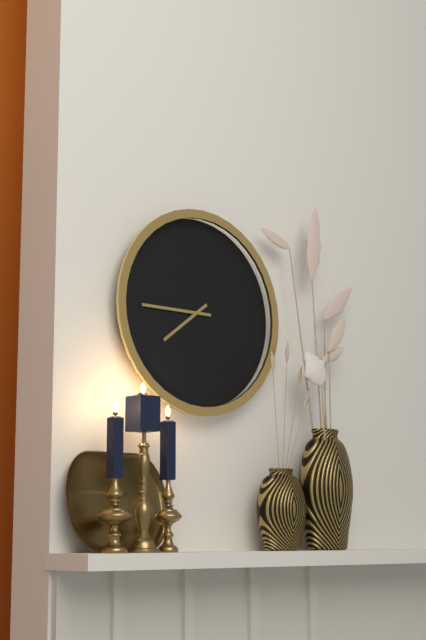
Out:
7,45
